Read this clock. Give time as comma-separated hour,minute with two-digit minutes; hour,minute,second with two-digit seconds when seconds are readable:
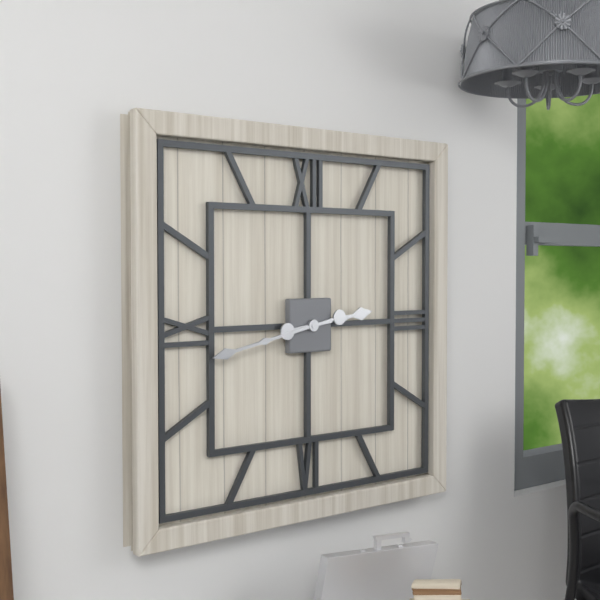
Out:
2,43
